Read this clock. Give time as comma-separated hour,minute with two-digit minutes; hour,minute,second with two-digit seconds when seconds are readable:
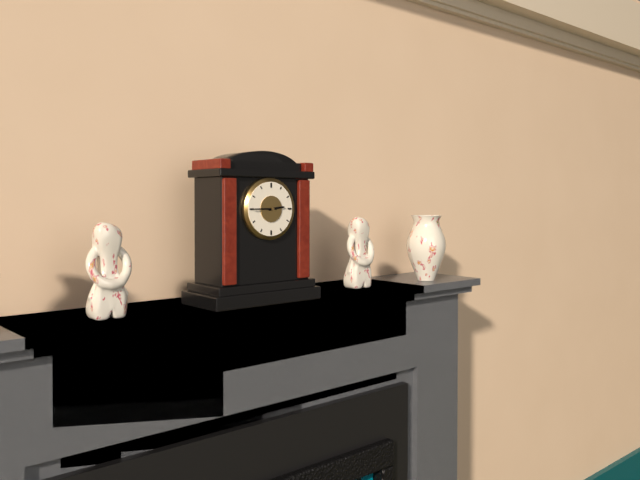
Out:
2,45
